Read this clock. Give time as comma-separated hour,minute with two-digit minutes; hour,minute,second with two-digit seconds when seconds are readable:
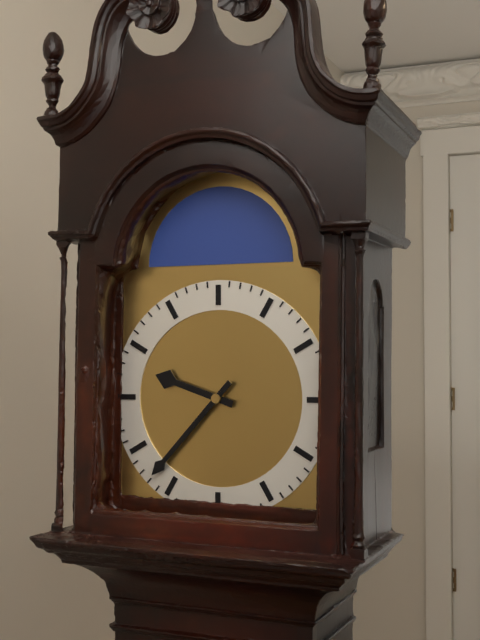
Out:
9,37
